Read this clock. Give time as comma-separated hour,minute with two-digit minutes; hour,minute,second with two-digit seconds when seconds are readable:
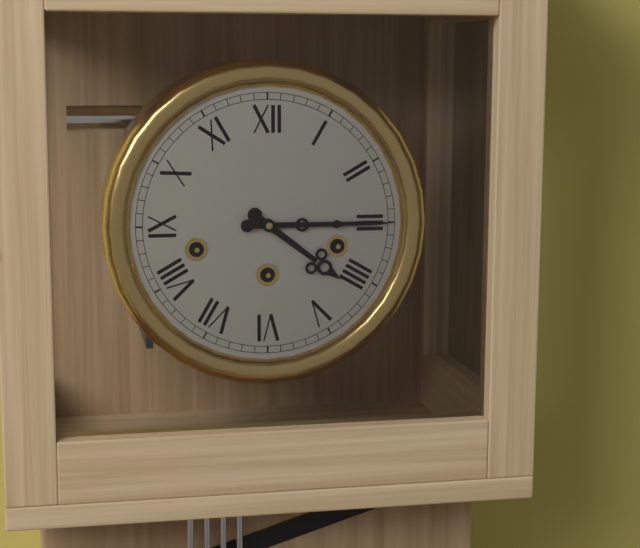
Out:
4,15
